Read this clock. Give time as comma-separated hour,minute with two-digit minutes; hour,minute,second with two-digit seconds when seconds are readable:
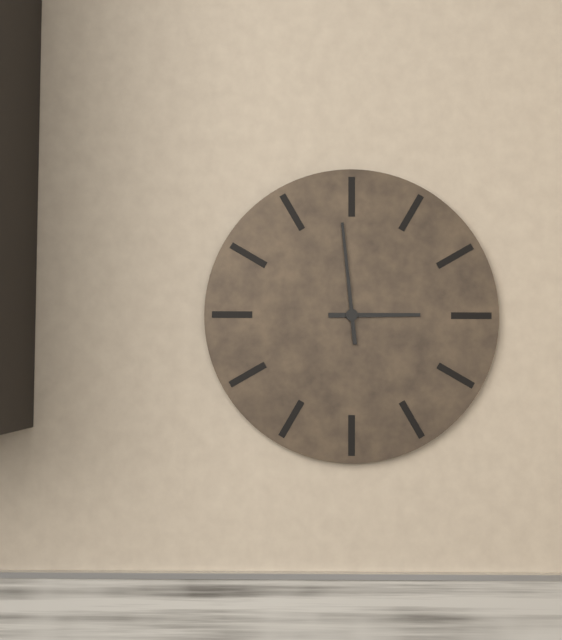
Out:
2,59
